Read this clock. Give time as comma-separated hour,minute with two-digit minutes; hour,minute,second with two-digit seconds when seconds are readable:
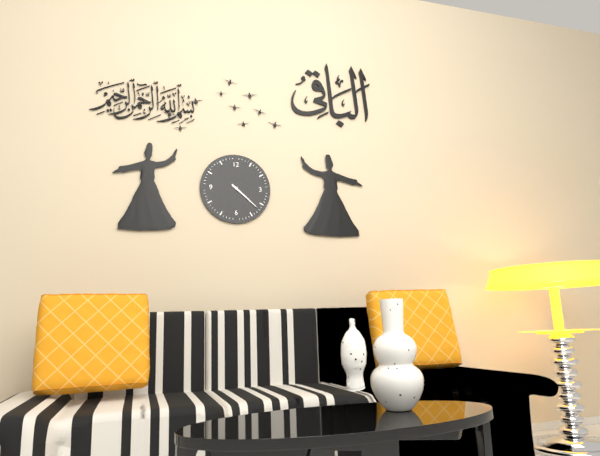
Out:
4,22
